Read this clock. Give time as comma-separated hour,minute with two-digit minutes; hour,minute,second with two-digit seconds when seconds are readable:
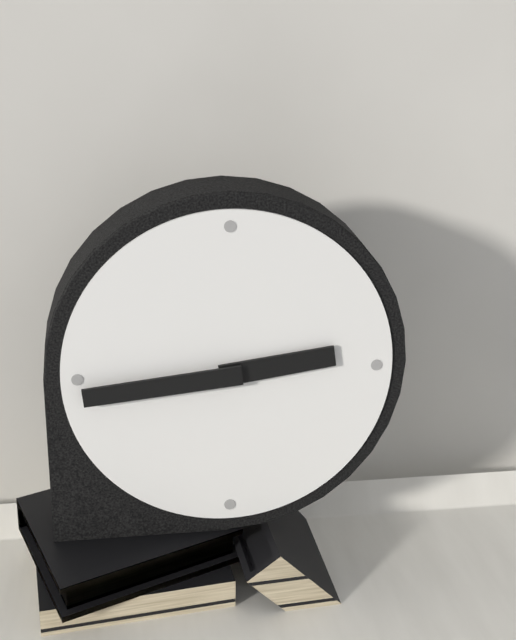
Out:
2,44
